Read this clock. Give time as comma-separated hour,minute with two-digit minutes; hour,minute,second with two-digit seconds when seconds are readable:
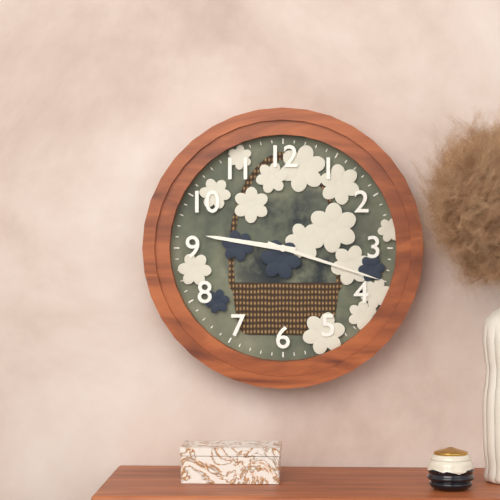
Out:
9,18
